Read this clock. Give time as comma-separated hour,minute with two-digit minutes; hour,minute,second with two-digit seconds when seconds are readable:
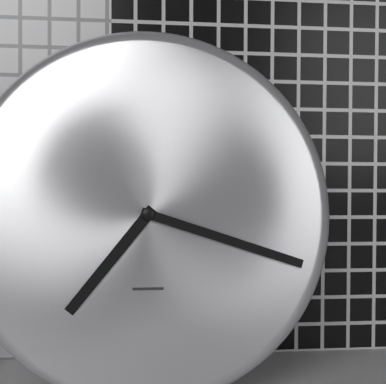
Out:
7,18
